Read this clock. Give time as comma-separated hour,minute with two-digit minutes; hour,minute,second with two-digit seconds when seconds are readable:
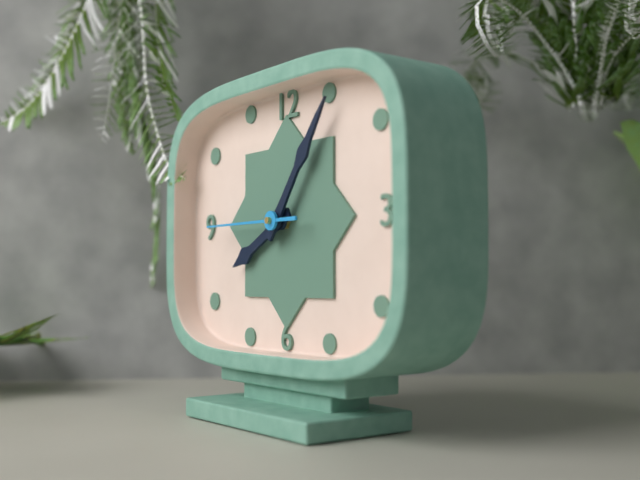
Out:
8,06,45
